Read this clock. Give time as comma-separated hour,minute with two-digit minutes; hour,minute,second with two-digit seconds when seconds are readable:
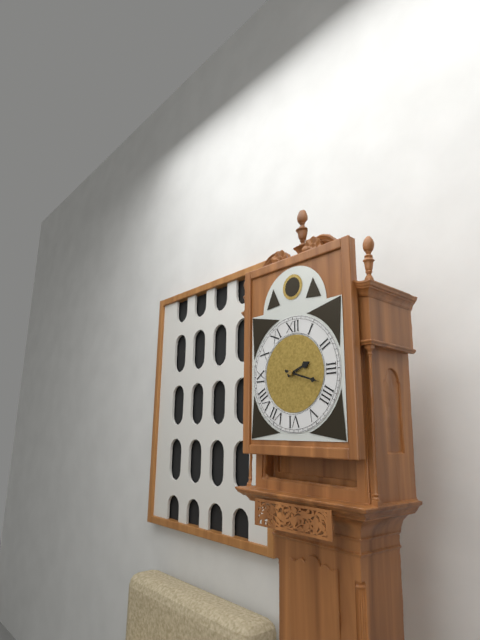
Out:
2,18
